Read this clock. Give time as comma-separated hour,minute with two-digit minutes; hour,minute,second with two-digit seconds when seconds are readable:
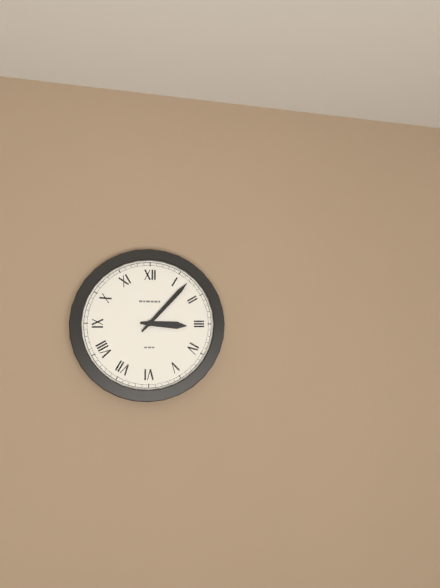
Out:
3,07
